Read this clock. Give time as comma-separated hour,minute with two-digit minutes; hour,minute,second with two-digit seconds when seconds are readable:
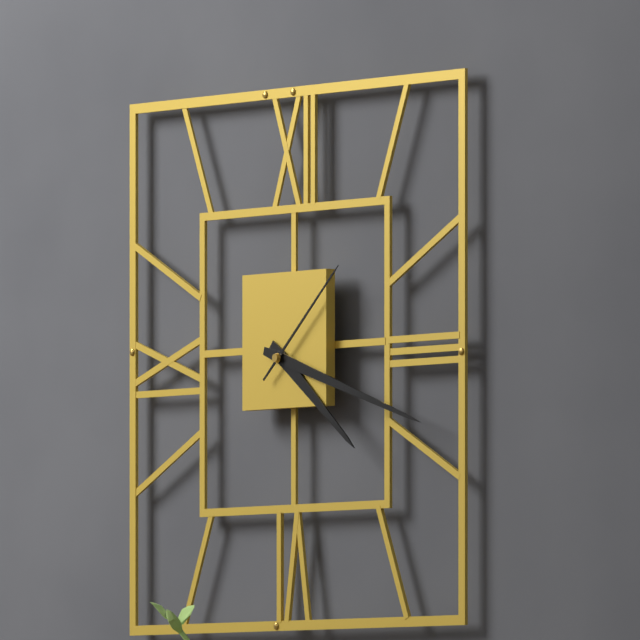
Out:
4,18,08
